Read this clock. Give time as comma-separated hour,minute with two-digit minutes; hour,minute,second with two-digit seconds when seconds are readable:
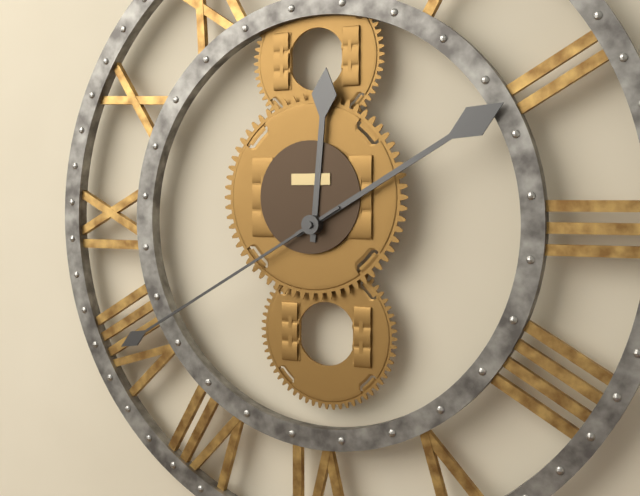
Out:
12,10,40
